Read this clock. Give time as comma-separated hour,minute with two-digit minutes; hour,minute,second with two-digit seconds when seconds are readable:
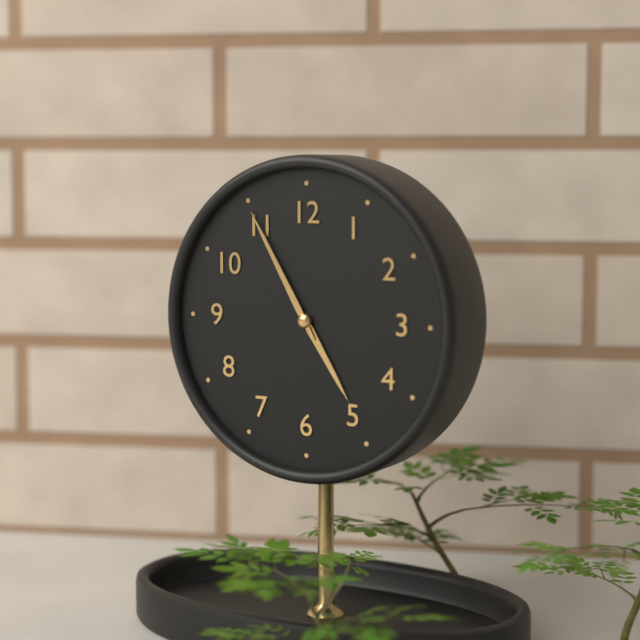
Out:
4,55
